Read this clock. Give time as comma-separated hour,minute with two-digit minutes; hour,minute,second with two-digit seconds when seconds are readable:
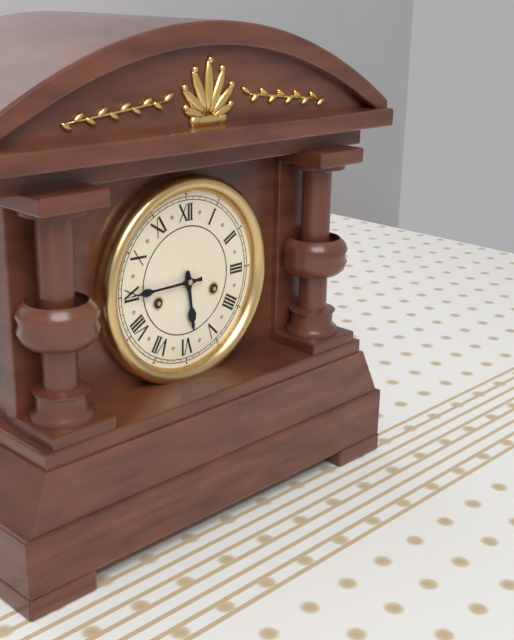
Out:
5,45
